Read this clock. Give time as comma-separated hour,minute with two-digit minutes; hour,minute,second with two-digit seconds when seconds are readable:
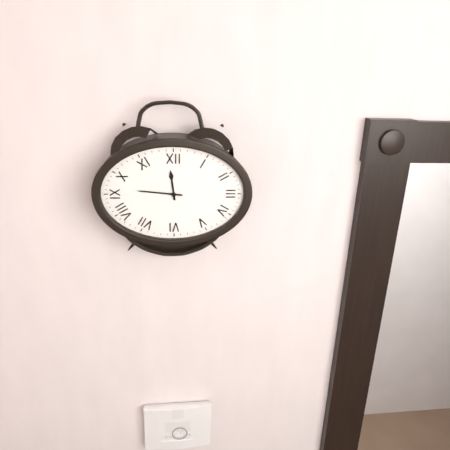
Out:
11,46
